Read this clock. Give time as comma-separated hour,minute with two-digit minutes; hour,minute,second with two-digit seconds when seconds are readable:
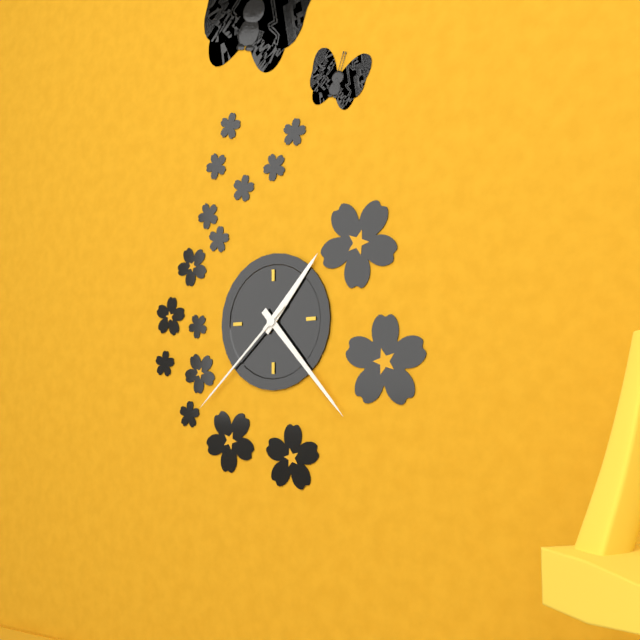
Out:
1,23,38
